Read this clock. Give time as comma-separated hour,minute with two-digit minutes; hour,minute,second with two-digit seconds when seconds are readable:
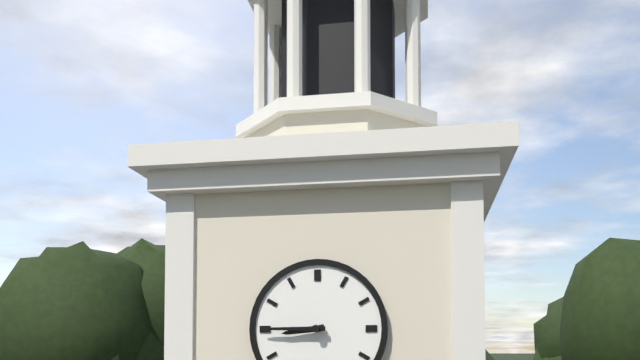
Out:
8,45
